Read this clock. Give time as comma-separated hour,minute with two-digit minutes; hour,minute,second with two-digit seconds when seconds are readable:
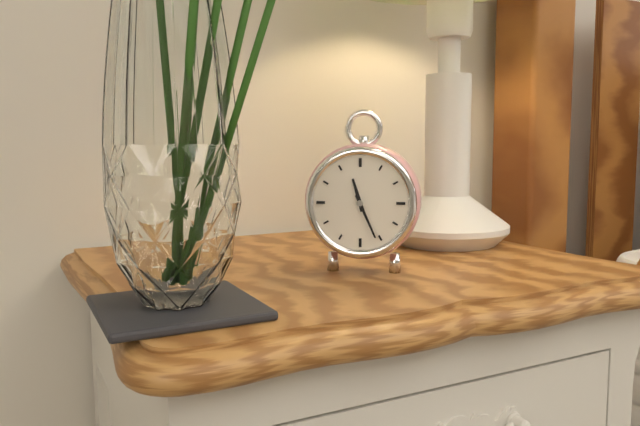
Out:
11,26
